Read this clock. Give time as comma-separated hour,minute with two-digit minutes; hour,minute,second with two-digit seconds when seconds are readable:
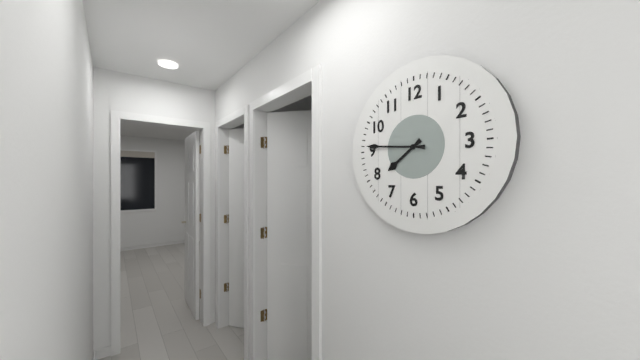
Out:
7,46
